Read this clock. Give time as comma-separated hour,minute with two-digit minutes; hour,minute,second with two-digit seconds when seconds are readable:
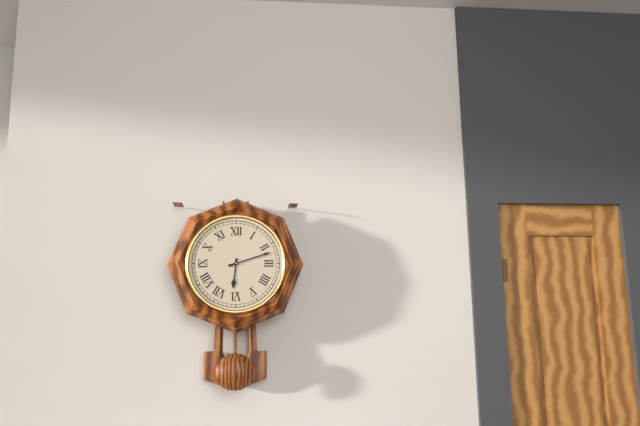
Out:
6,12
